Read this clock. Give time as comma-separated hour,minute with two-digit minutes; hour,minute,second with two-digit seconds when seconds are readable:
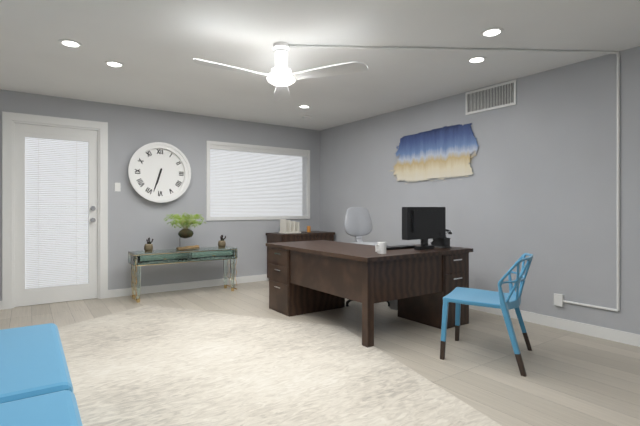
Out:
6,33
